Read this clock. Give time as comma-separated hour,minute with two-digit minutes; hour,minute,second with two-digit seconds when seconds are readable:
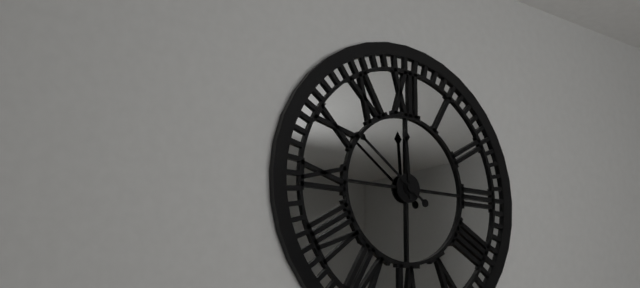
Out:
11,51
